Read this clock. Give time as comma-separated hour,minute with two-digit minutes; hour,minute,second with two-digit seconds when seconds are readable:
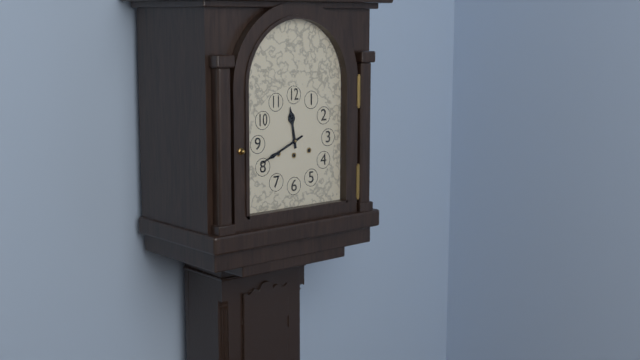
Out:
11,41
